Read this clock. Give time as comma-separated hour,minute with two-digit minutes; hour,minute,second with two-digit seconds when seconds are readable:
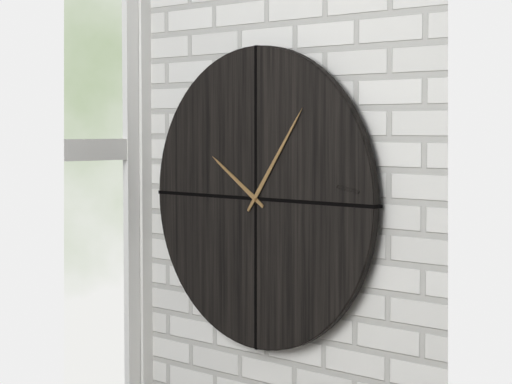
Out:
10,06
